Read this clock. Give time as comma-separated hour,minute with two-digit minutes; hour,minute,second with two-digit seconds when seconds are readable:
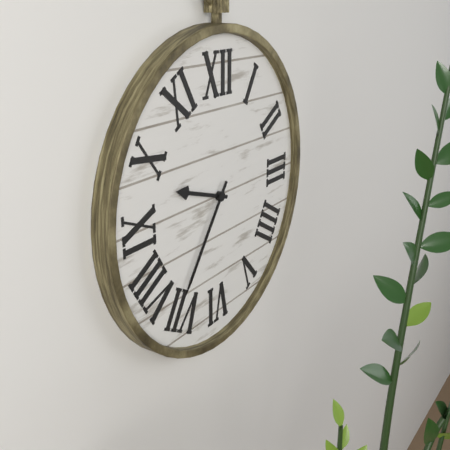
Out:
9,36
